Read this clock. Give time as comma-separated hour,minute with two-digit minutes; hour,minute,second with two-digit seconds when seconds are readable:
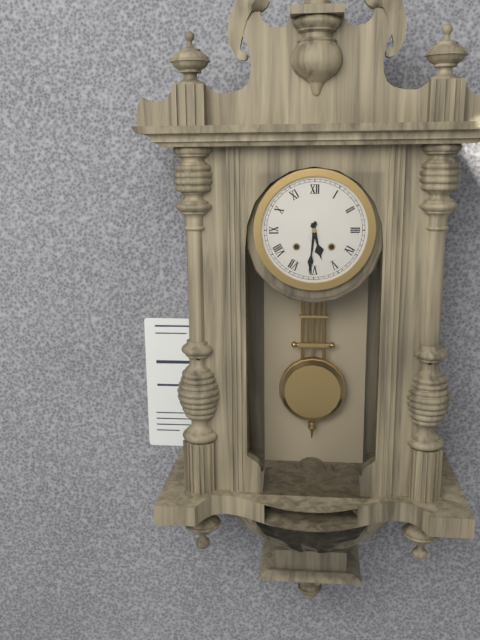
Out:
5,31
